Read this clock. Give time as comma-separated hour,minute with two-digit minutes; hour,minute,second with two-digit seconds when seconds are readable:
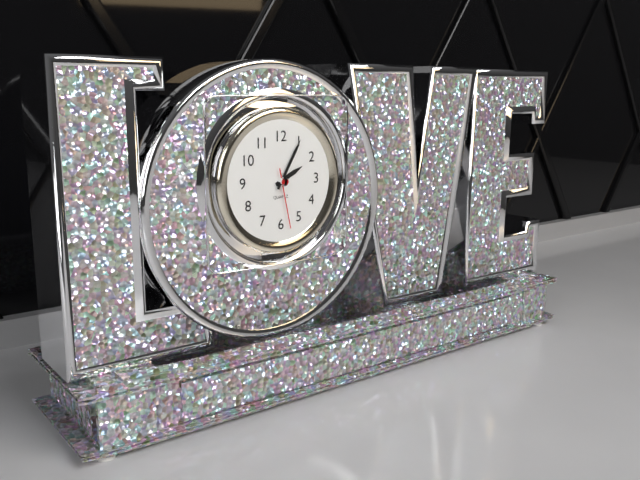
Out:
2,05,28
